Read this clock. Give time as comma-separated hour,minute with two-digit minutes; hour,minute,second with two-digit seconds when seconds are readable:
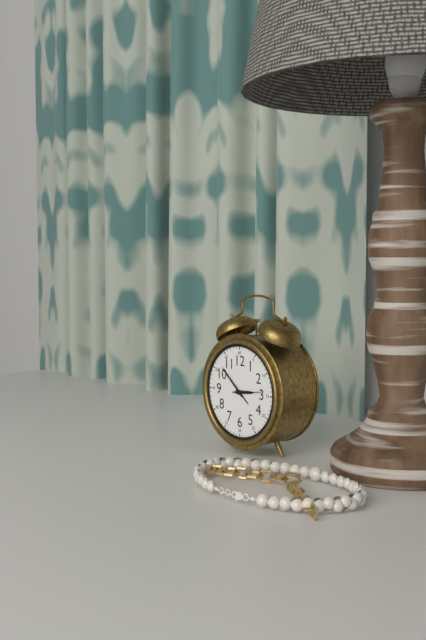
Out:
2,52
